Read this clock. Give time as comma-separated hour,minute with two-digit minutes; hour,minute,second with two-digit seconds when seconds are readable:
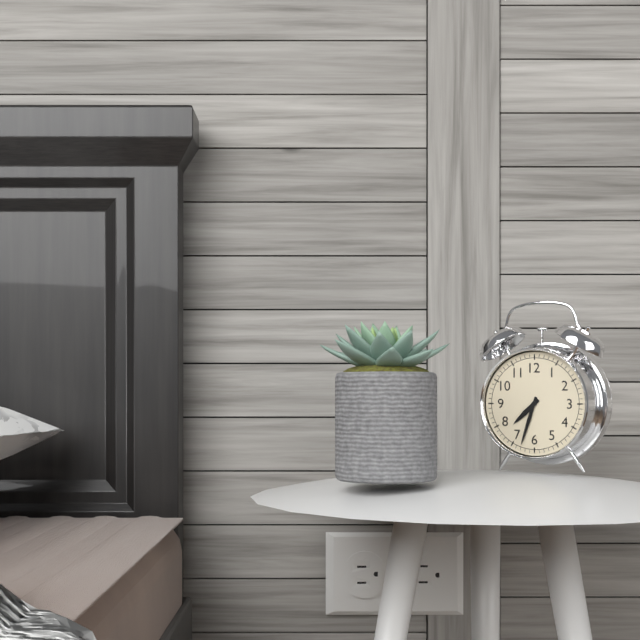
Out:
7,33
